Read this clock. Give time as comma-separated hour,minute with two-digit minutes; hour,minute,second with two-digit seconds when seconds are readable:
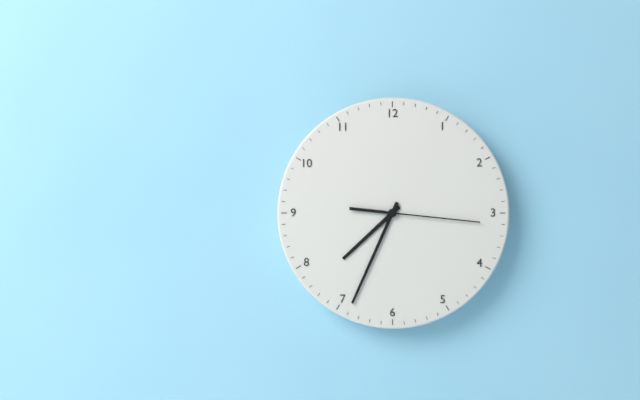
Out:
7,34,16
